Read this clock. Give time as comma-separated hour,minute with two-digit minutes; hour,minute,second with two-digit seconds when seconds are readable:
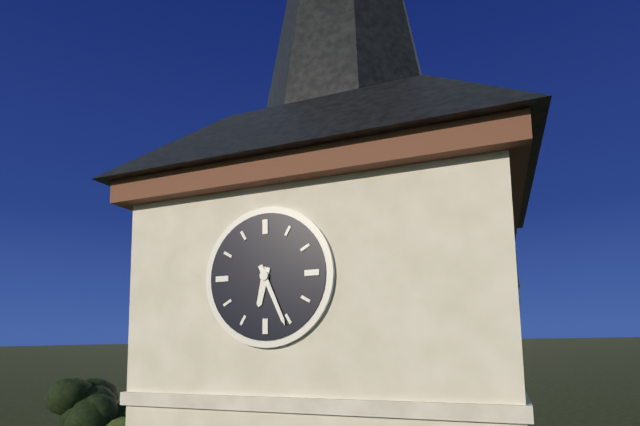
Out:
6,26
